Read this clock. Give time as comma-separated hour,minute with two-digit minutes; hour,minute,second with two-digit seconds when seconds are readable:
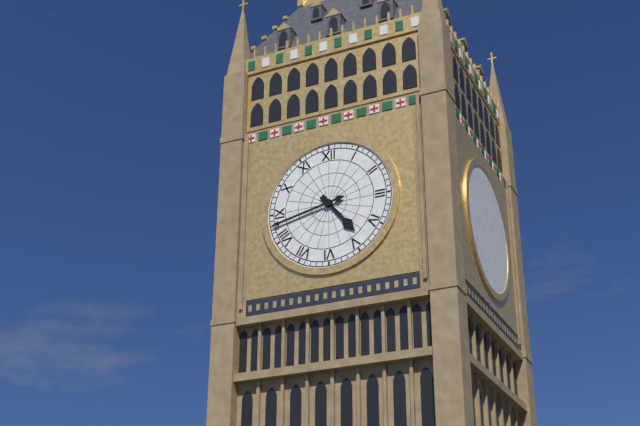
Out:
4,43
